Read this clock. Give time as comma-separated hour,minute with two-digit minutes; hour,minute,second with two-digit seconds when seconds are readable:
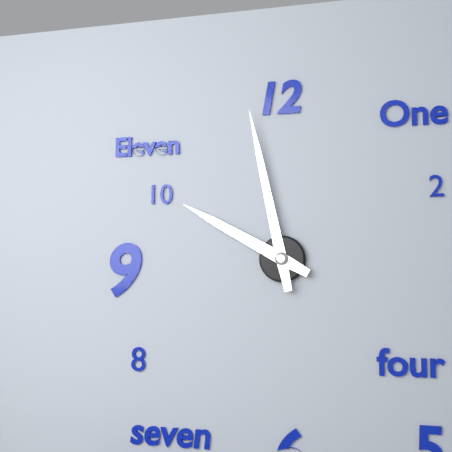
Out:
9,58
